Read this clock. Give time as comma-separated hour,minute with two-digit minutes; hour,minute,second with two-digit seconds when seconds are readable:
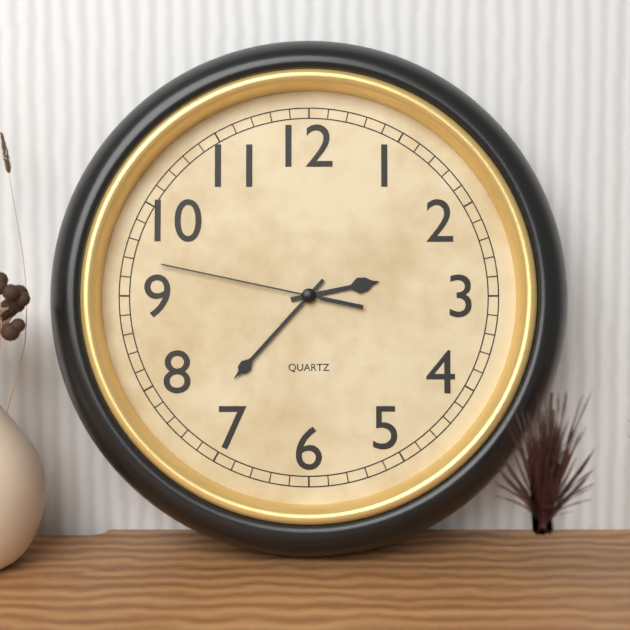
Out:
2,37,47
